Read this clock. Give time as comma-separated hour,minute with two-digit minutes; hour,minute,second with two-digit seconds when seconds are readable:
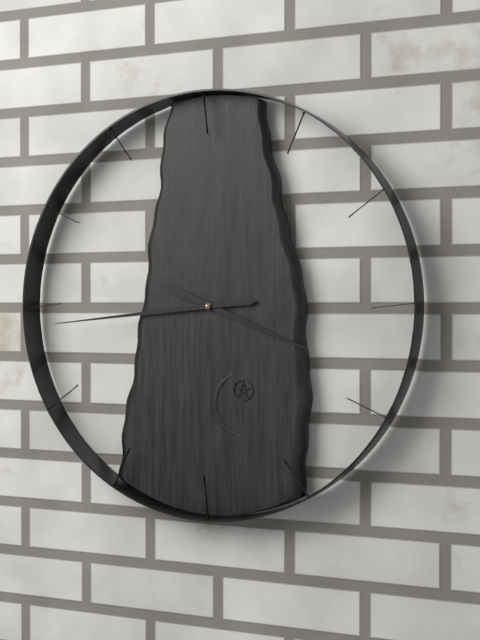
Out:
3,44
